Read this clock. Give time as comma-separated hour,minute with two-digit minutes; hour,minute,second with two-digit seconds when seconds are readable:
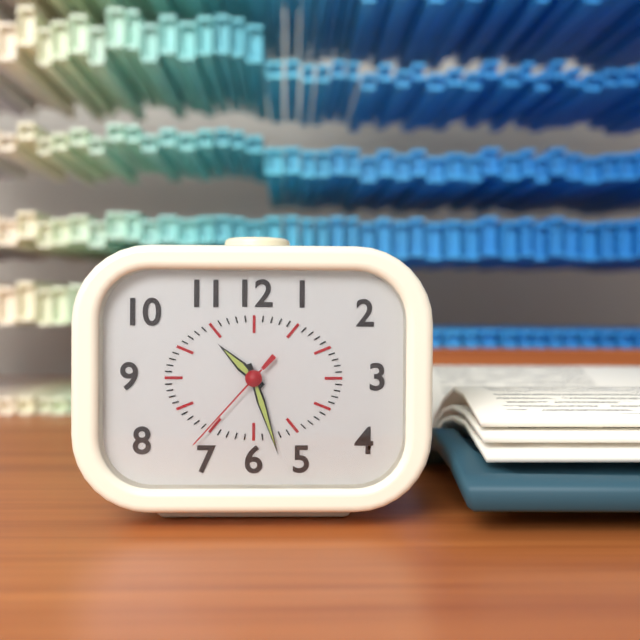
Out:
10,27,37
